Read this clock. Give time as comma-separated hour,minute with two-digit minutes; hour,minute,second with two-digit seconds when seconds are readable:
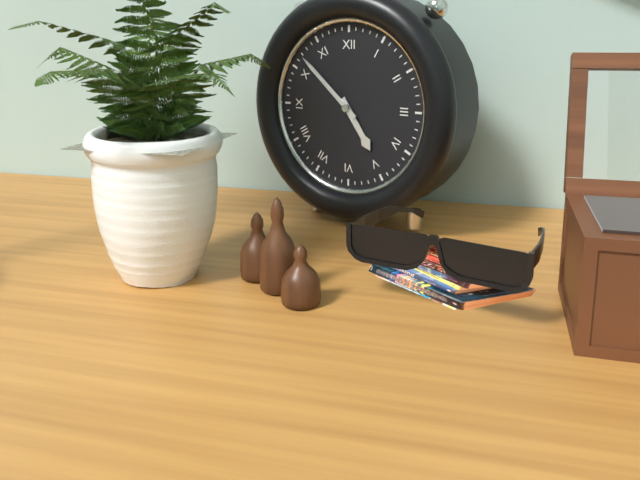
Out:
4,52
